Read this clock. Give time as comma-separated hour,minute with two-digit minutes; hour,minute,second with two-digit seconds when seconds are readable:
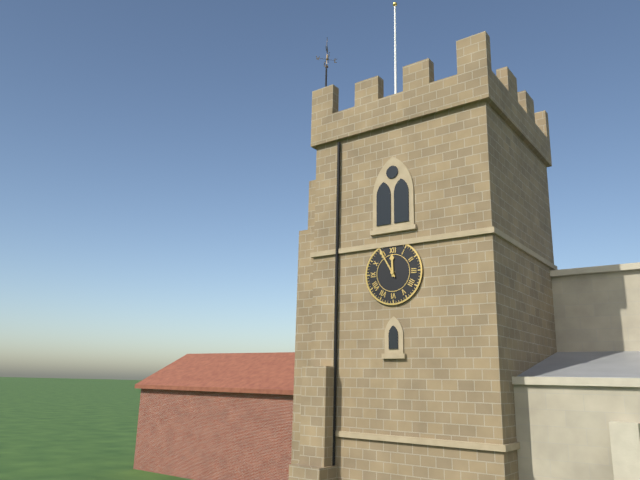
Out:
11,55
